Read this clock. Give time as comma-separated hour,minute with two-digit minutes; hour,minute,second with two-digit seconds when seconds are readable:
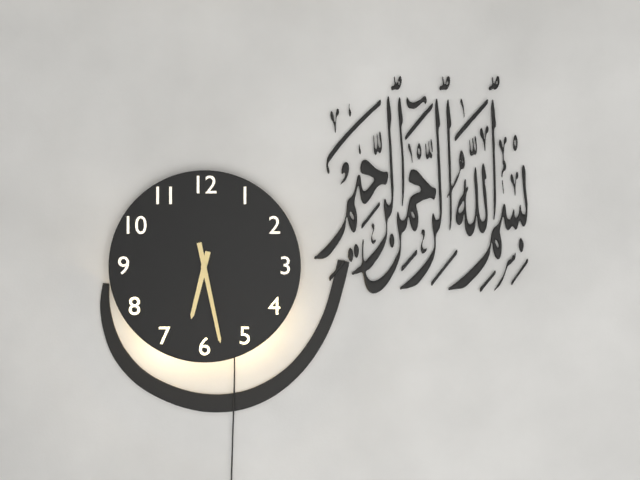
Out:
6,28,28
